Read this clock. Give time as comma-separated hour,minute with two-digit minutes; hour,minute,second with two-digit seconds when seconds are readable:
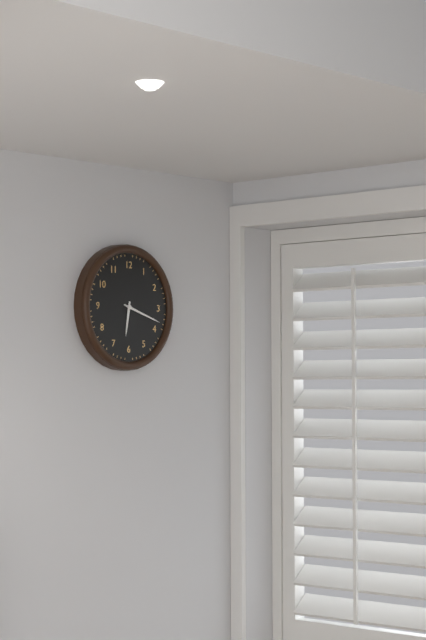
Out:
6,18
